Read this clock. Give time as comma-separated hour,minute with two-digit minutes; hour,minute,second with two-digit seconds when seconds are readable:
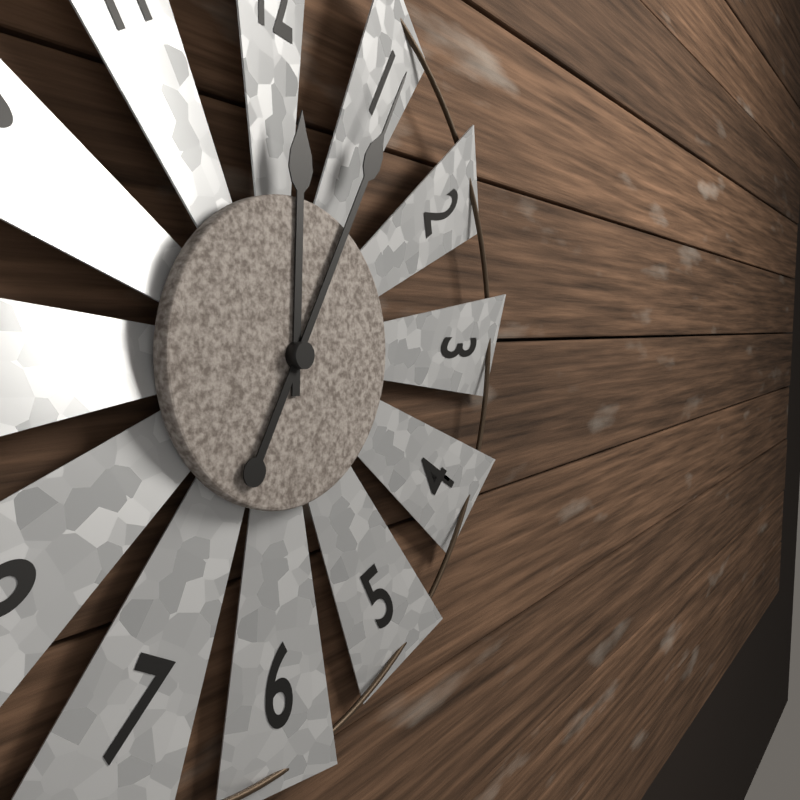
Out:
12,05
